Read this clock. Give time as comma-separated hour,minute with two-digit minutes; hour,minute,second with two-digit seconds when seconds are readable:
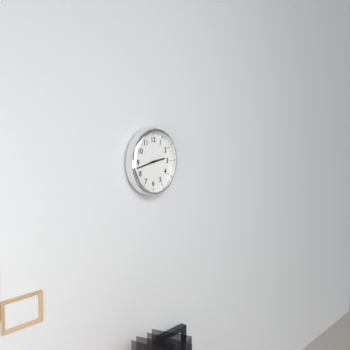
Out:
2,43
